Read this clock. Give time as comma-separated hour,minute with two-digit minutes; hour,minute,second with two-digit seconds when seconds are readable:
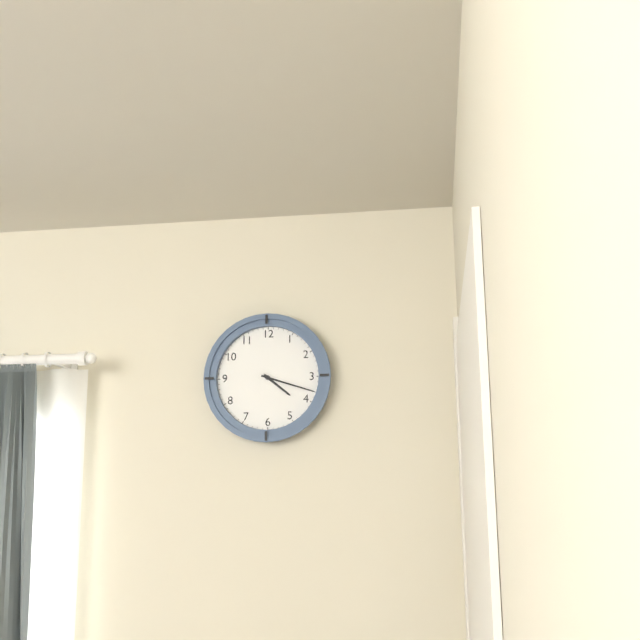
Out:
4,18
